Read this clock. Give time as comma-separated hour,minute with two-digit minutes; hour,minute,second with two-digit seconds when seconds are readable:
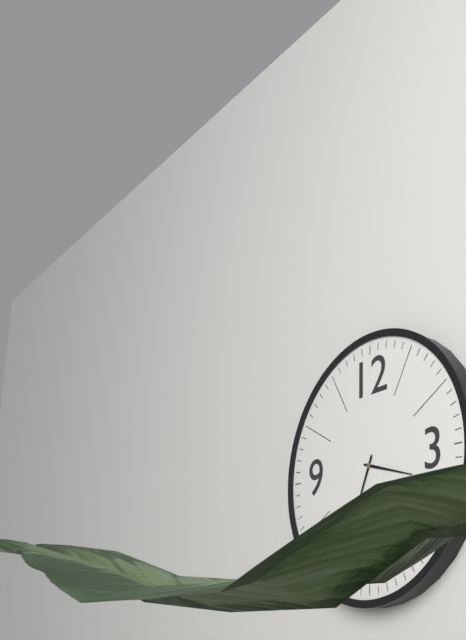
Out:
3,34
